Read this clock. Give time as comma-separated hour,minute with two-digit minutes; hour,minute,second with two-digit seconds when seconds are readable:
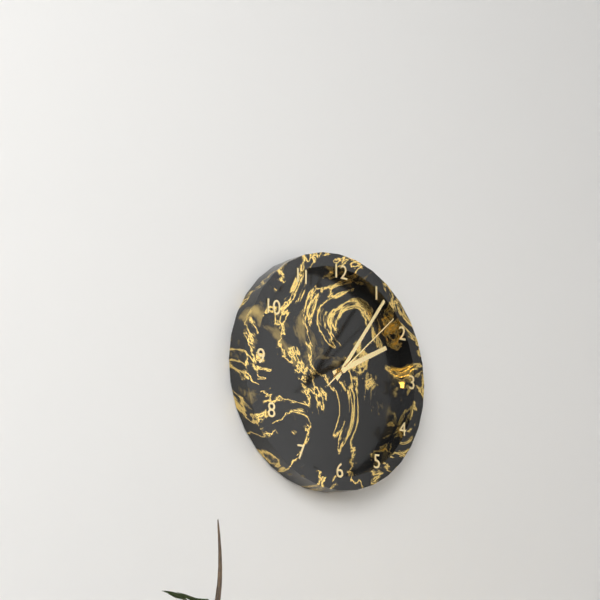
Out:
2,06,08
